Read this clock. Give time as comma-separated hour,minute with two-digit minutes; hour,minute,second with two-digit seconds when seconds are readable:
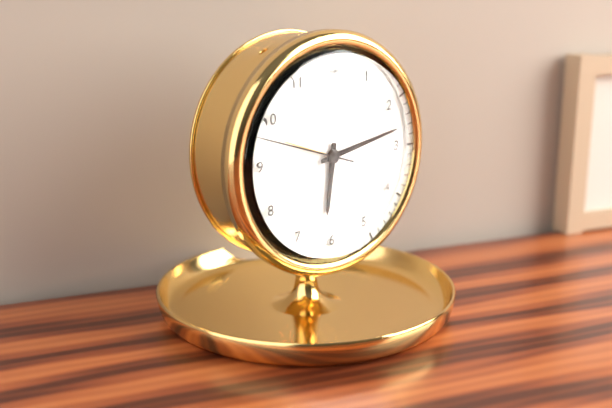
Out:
6,13,48
